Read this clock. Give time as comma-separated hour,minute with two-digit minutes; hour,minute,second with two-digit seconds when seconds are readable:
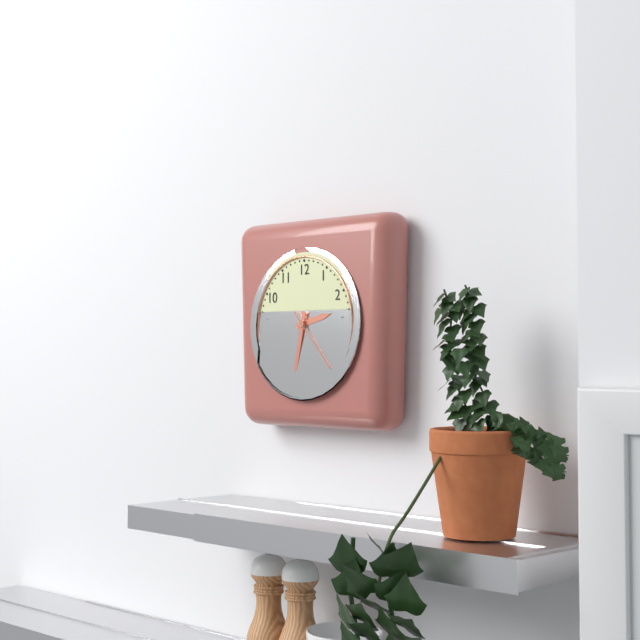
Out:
2,32,23
